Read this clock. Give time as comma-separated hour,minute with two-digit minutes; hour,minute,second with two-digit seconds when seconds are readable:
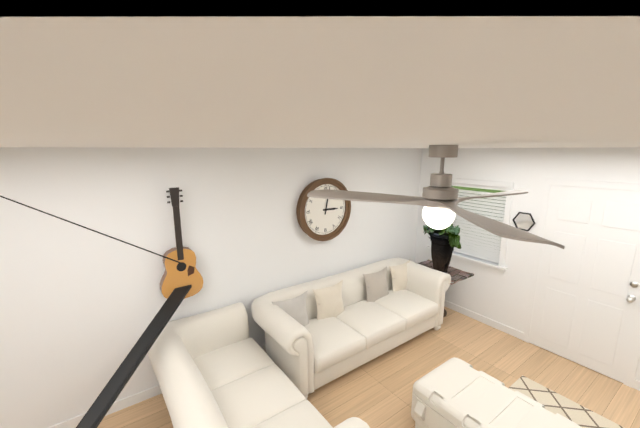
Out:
3,02
